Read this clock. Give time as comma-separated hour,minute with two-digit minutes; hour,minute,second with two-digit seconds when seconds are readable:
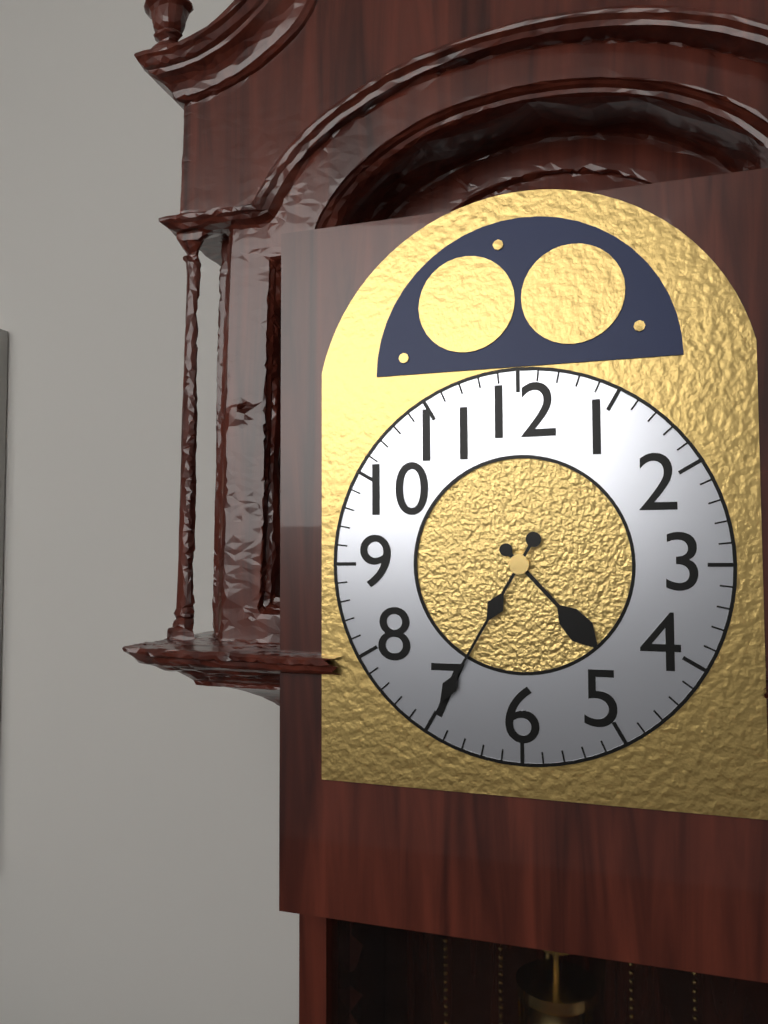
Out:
4,35
